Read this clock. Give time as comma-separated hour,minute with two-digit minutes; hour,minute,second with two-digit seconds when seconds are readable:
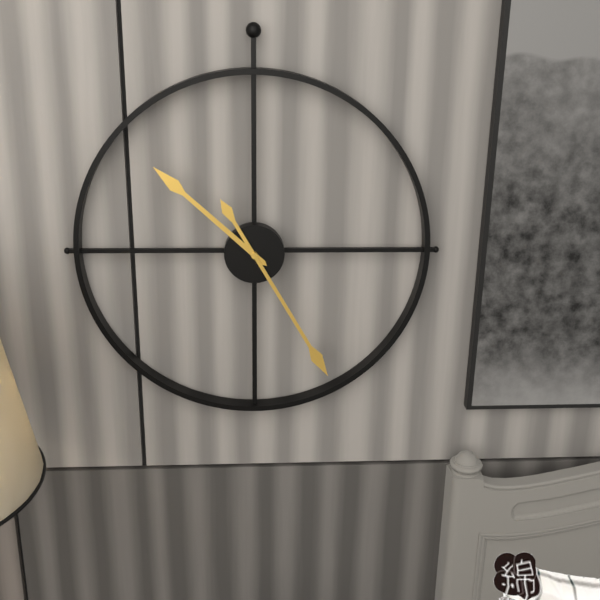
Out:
10,25
